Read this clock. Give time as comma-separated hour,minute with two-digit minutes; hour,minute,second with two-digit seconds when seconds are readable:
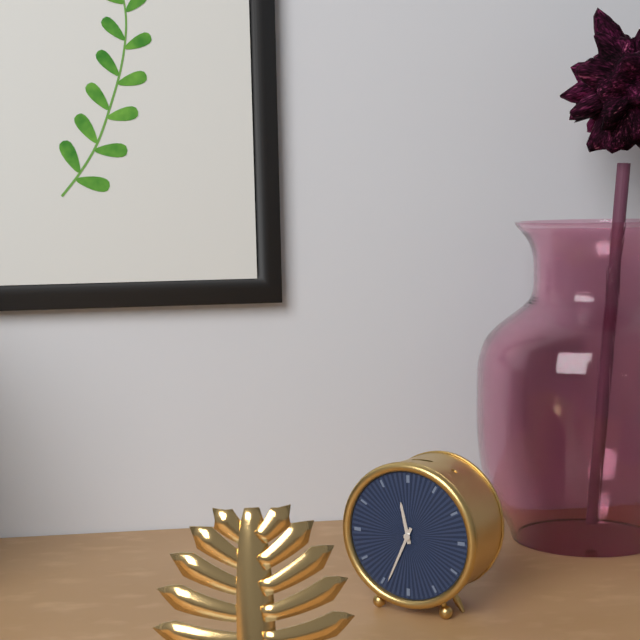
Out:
11,34
